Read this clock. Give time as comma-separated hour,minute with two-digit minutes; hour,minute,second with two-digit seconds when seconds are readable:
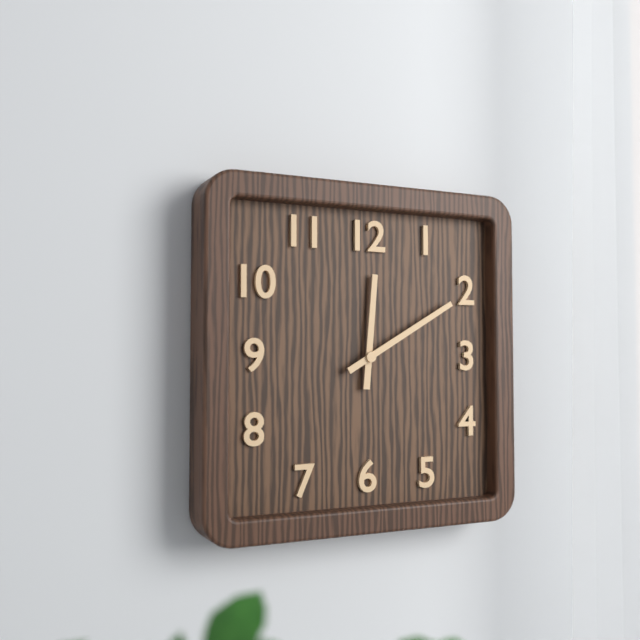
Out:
12,10
